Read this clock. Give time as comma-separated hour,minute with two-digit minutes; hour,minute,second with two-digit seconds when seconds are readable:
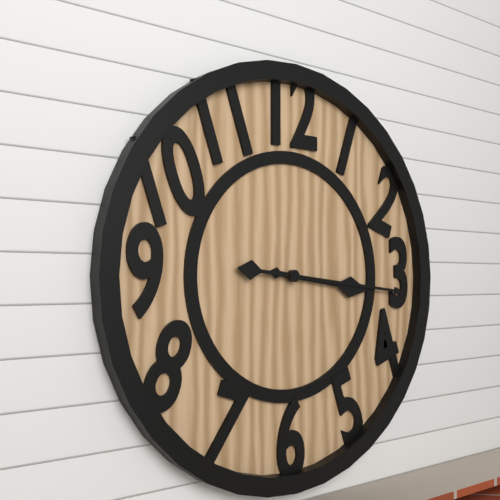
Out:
3,16
